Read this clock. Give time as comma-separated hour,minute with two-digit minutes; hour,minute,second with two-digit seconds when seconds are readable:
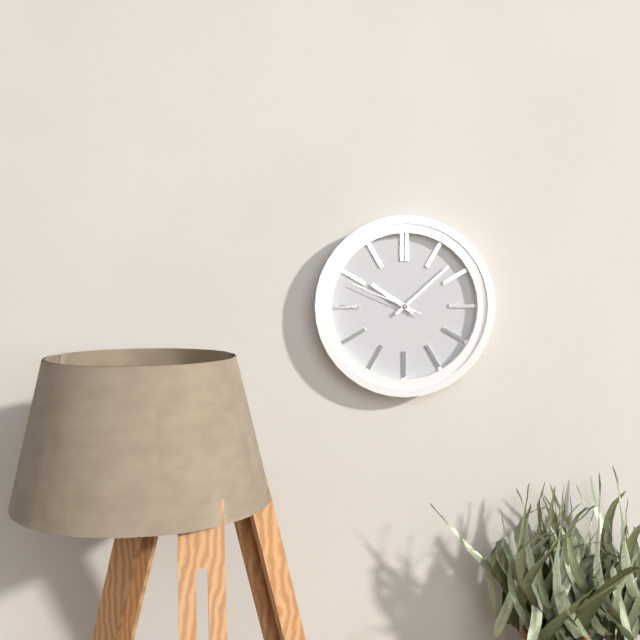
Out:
10,08,49
